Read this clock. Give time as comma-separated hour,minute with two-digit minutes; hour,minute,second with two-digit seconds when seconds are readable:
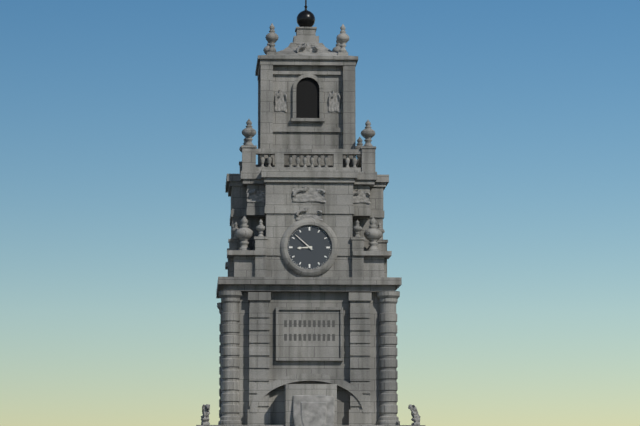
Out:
8,52
